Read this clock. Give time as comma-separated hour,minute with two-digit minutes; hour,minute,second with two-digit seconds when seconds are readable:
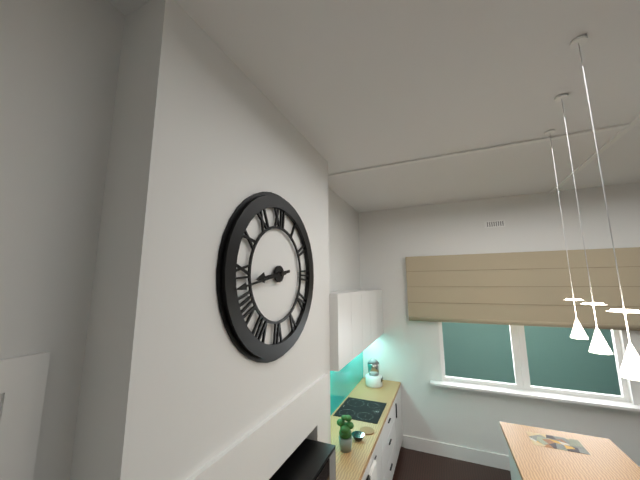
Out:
8,43
